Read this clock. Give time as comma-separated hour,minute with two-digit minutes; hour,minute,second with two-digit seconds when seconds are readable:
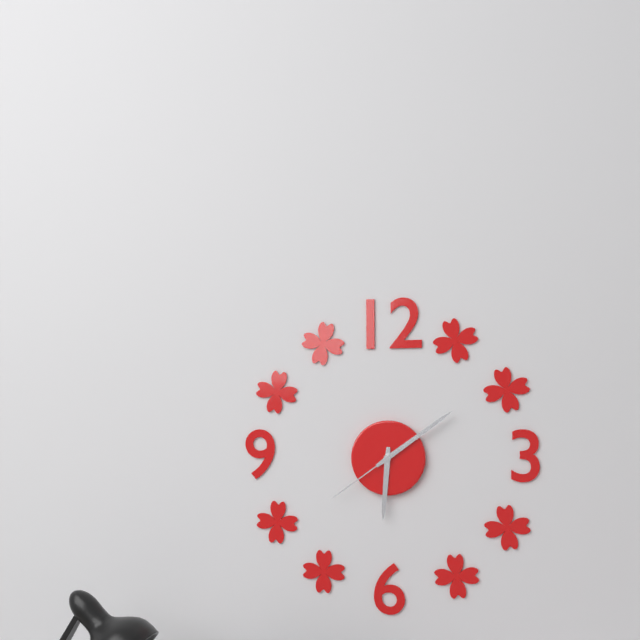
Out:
6,09,39
